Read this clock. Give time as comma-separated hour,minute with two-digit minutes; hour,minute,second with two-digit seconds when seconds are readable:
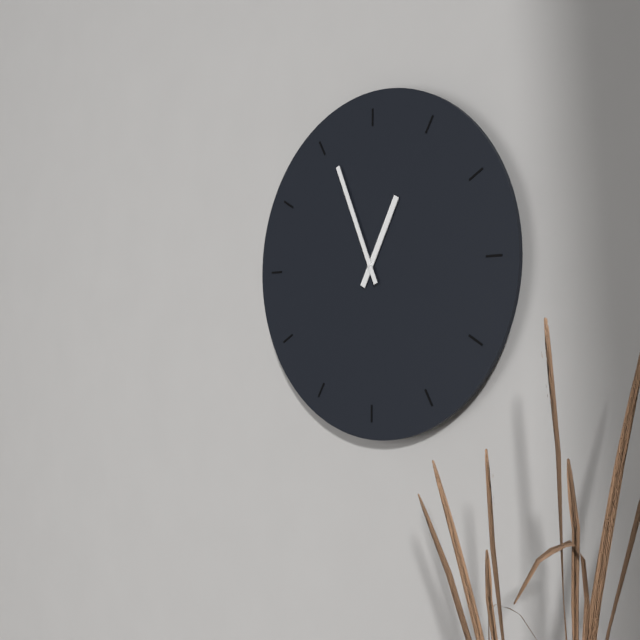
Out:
12,56
